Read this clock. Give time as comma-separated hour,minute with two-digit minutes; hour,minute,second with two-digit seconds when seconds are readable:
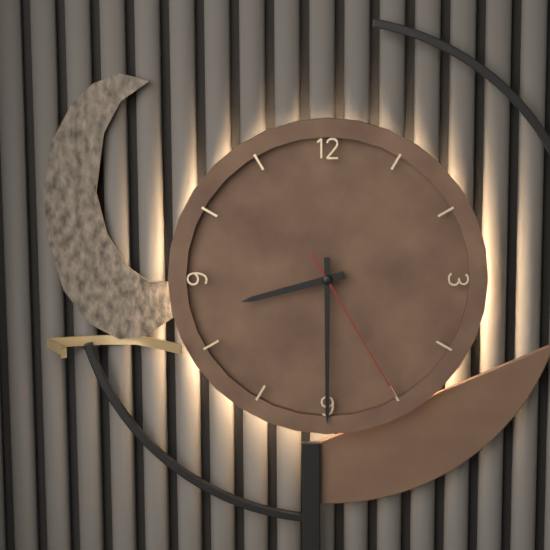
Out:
8,30,25
